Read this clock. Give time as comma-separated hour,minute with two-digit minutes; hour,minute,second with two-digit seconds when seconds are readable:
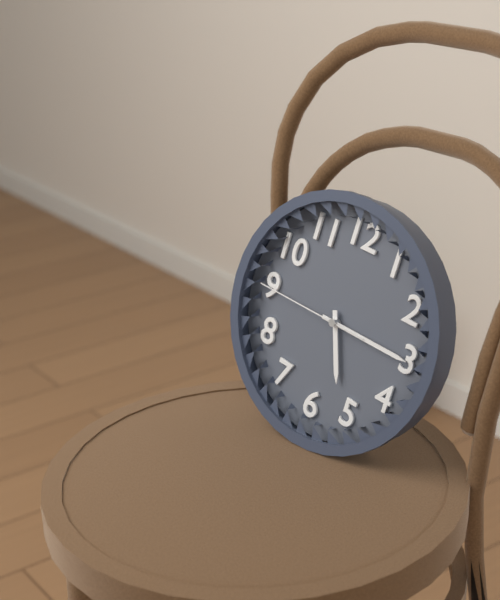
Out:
5,15,45
